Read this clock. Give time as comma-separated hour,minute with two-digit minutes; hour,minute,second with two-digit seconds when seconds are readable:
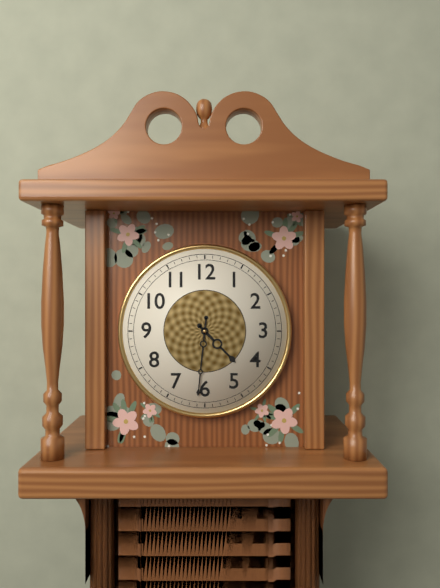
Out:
4,31
